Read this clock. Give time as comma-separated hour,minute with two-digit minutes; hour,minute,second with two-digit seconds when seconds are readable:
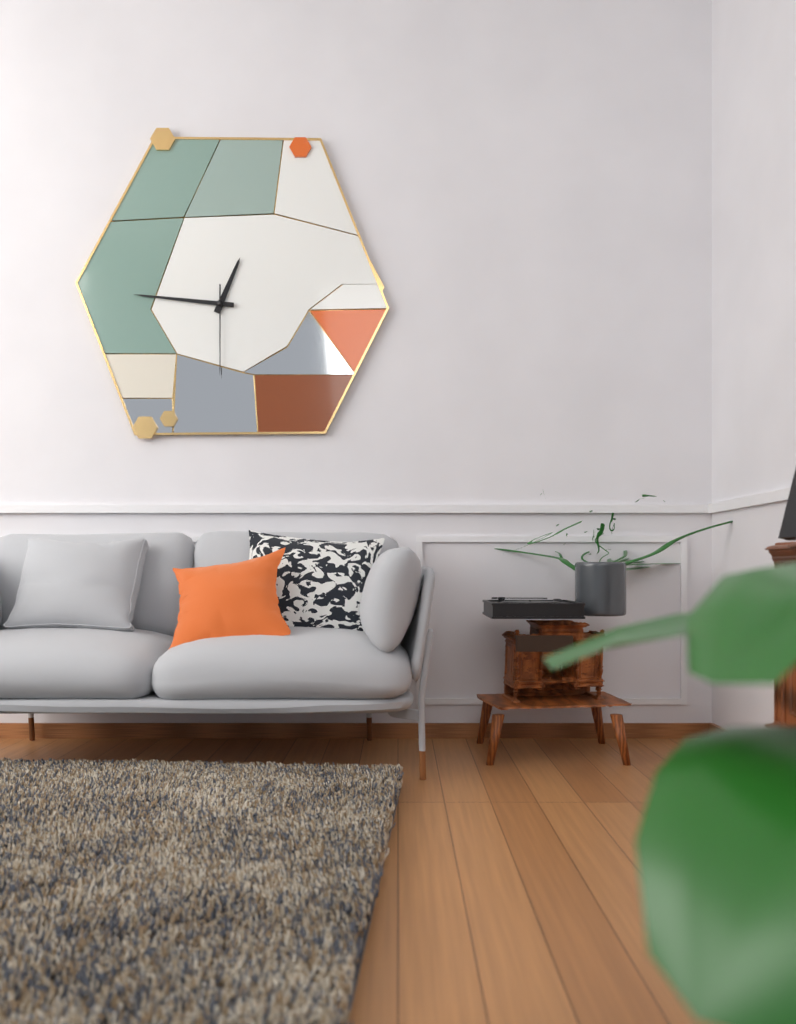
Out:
12,46,30
